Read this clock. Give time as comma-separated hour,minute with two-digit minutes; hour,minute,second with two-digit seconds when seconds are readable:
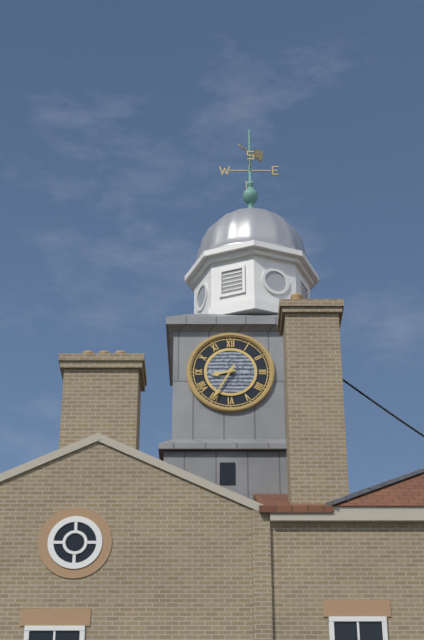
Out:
8,35
